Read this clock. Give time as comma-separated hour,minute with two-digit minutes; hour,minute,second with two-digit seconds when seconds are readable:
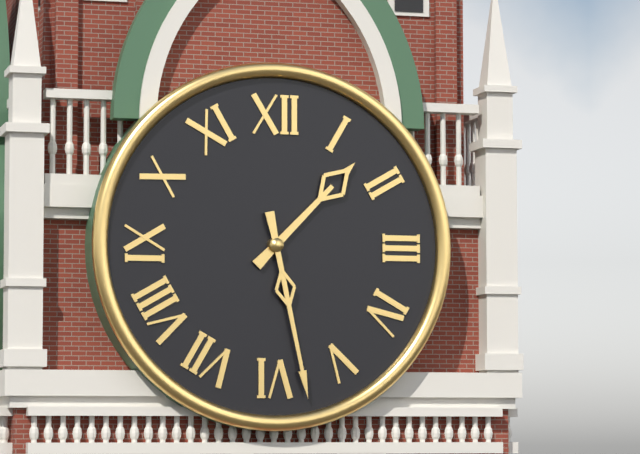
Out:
1,28
